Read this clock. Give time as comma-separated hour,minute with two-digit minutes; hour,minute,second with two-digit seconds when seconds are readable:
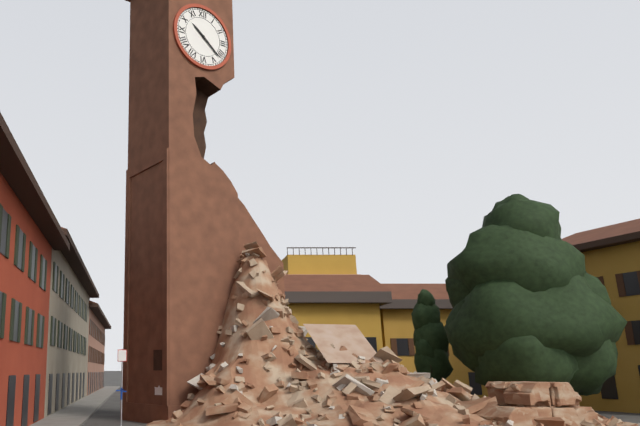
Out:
10,22
